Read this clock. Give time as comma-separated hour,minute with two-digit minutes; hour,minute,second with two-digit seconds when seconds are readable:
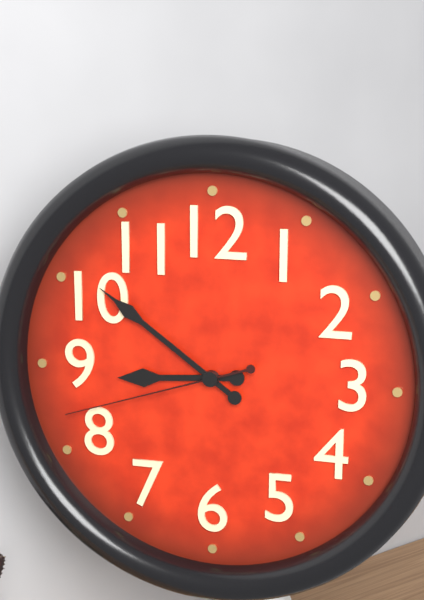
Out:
8,51,42
